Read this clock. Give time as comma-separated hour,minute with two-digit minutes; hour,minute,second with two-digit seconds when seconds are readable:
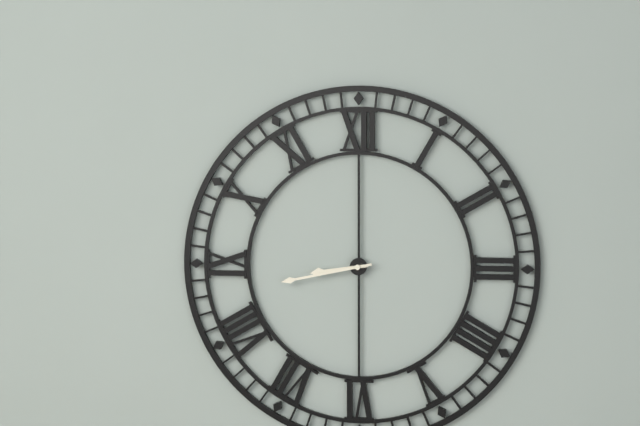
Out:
8,43
